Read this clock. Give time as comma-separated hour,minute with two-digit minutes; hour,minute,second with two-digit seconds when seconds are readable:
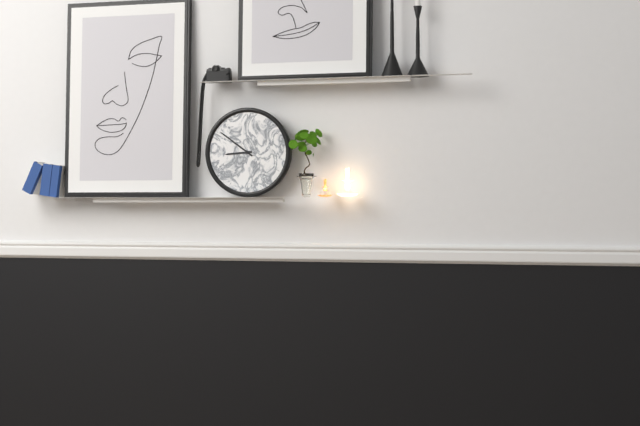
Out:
8,51
